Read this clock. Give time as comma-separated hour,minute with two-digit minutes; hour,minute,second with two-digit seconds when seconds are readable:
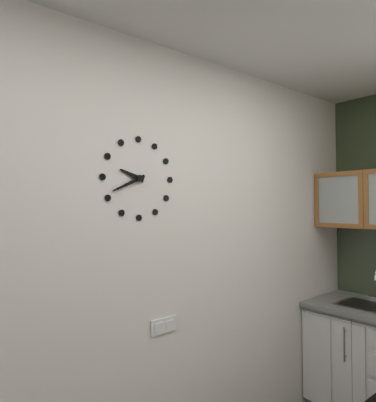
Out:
9,41
